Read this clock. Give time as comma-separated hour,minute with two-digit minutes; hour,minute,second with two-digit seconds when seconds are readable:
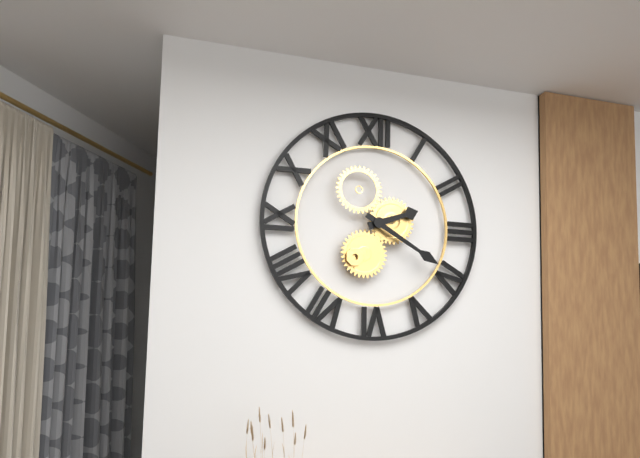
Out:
2,20
